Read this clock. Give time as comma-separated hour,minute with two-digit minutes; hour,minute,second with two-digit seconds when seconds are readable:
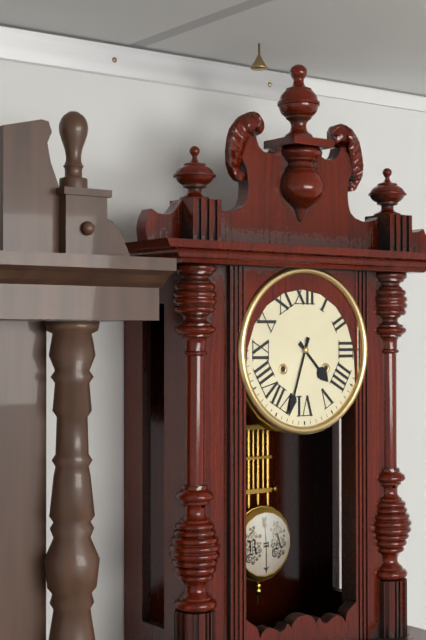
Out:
4,33
